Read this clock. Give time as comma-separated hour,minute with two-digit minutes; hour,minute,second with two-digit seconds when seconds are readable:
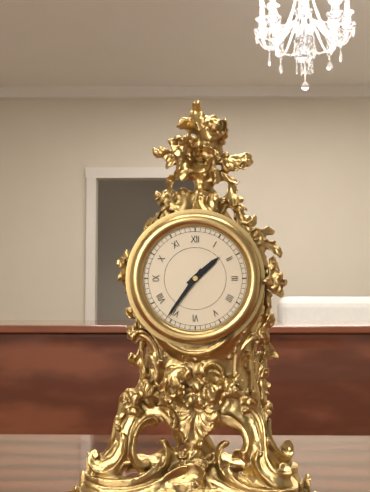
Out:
1,36
